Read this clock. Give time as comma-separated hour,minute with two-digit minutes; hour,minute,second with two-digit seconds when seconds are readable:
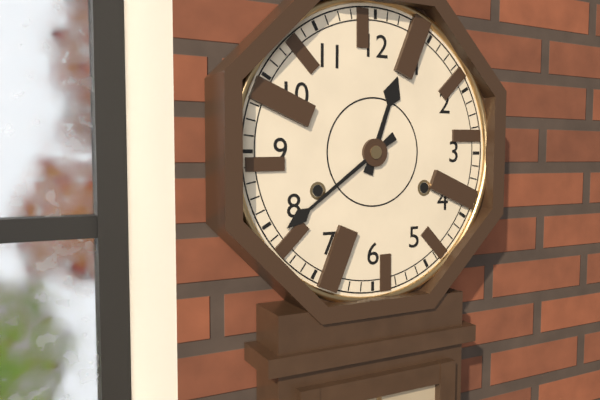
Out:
12,39
